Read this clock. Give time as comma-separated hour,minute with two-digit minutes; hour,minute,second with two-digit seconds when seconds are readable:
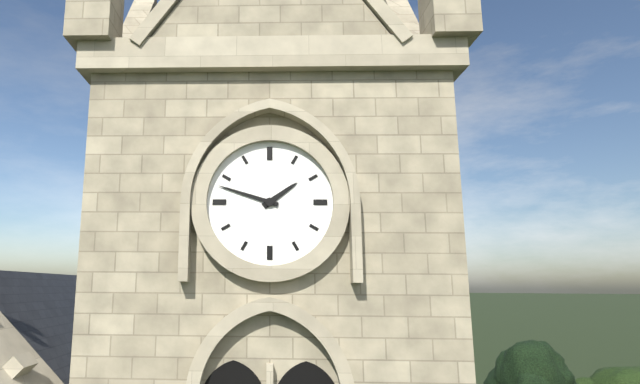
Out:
1,48
